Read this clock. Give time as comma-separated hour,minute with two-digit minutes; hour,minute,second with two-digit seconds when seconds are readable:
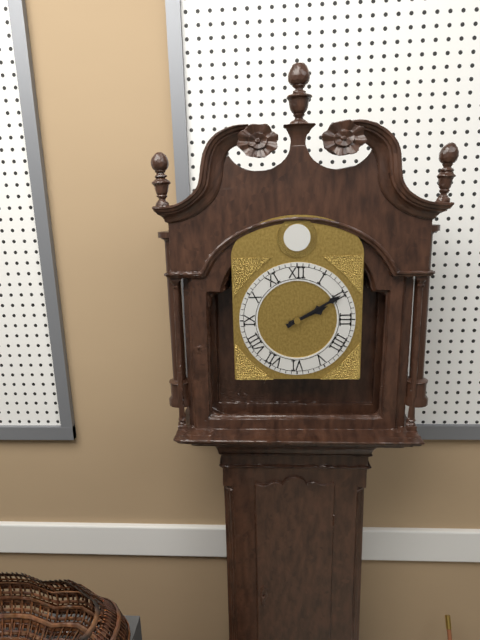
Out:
2,10
